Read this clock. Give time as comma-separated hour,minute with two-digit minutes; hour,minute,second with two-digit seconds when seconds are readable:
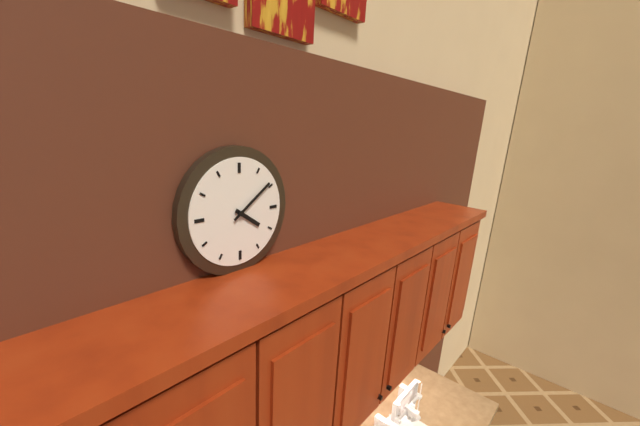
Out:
4,09
